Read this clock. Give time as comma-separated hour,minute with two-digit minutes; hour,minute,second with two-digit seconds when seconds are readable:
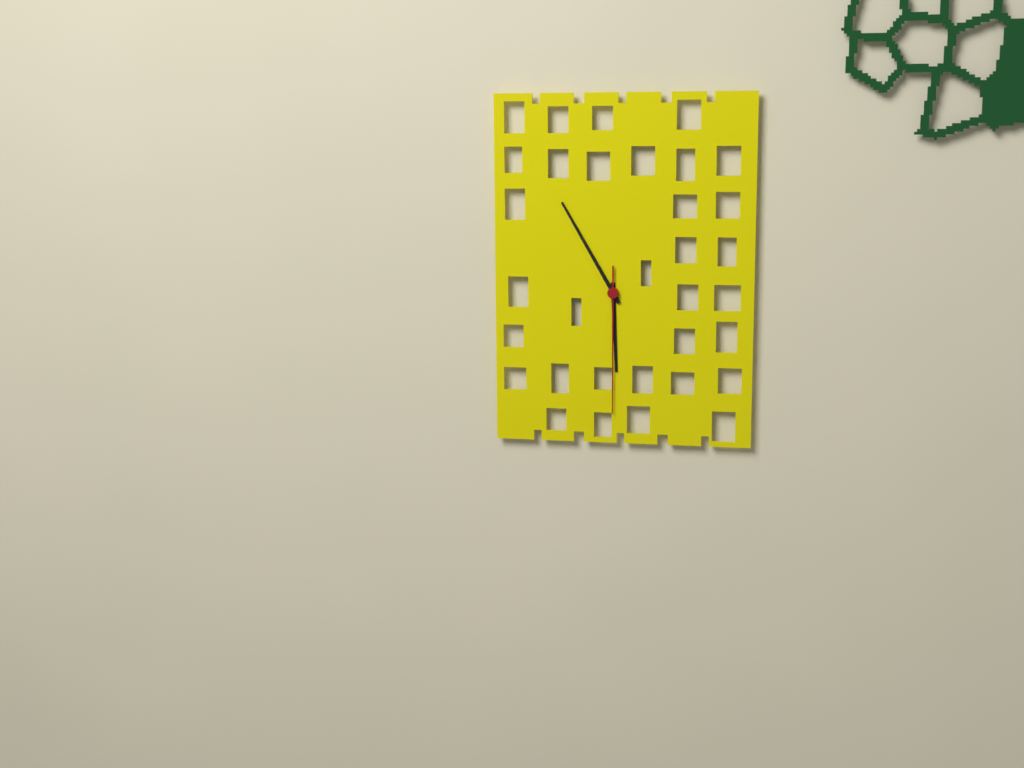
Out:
5,55,30
